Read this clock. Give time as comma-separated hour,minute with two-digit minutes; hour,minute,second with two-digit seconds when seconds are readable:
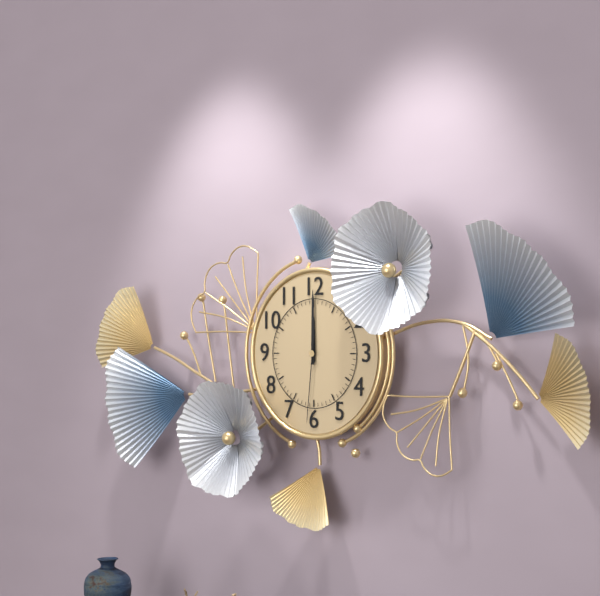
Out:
12,00,31
